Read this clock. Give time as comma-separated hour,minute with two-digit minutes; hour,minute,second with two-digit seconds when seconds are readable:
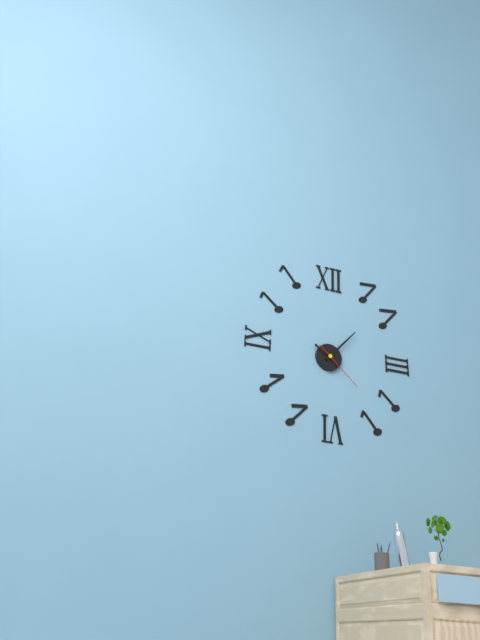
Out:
10,07,22
